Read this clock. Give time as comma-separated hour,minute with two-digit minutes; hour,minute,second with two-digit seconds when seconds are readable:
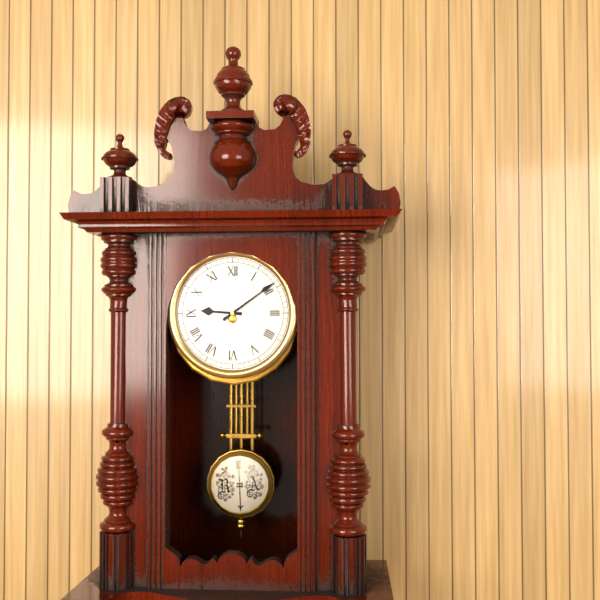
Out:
9,09
